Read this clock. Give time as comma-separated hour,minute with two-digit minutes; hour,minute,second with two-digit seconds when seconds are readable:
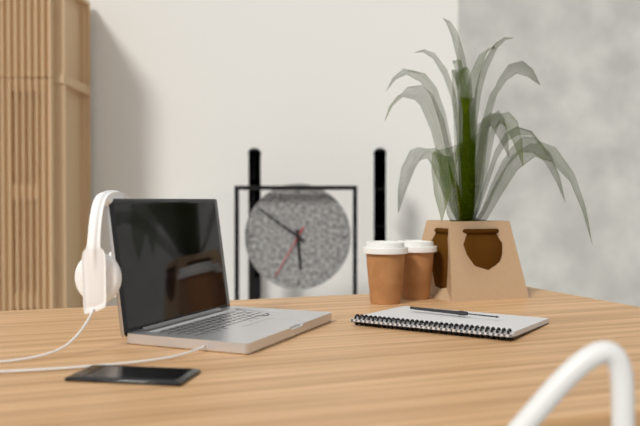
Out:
5,51,35
